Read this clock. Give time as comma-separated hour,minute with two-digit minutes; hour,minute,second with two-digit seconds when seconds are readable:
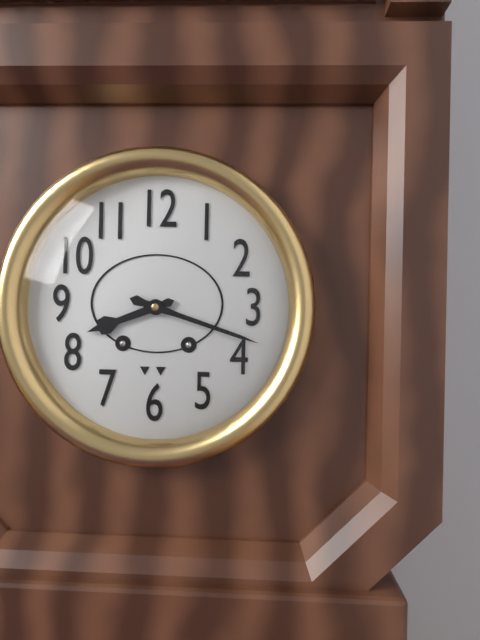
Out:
8,18
